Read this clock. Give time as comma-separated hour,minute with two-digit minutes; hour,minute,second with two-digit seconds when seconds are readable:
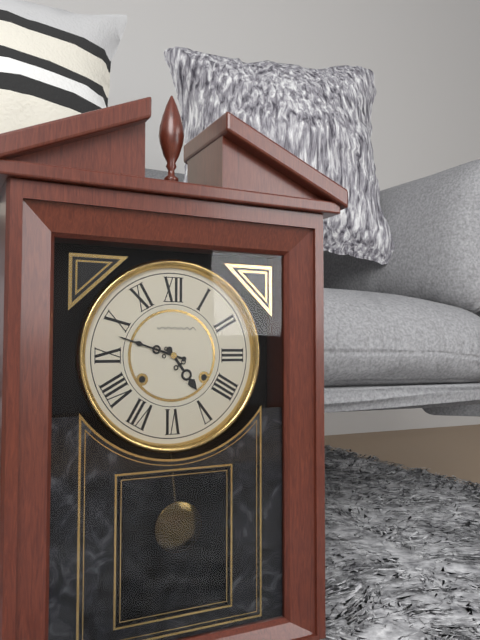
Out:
4,48
